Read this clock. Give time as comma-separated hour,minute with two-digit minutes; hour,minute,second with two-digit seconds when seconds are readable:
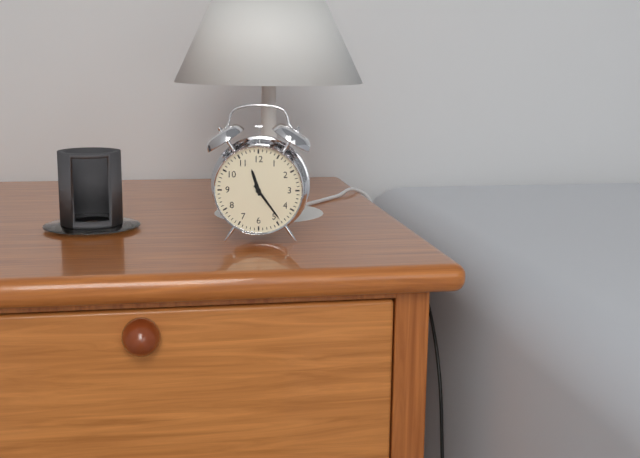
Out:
11,24
